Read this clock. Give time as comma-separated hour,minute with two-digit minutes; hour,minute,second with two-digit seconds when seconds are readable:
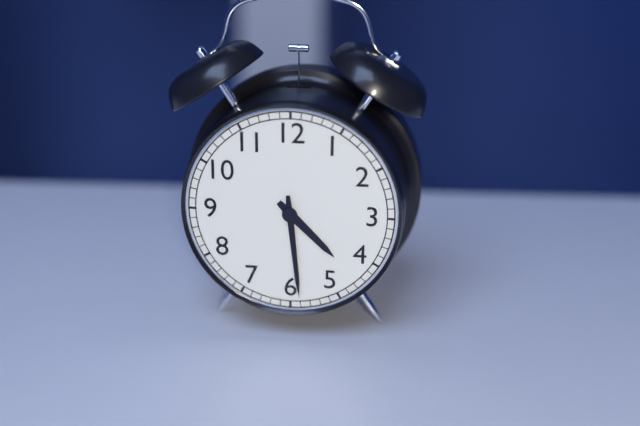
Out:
4,29
